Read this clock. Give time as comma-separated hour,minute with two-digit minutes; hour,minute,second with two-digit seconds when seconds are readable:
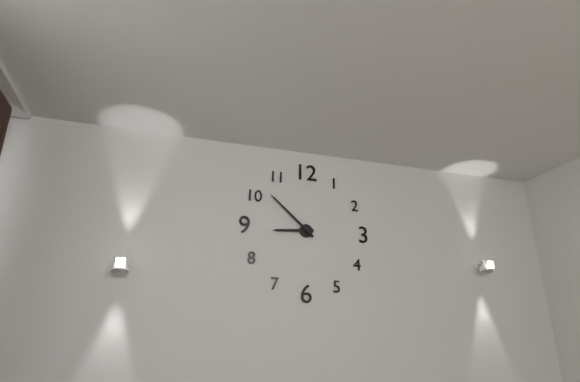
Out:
8,52
